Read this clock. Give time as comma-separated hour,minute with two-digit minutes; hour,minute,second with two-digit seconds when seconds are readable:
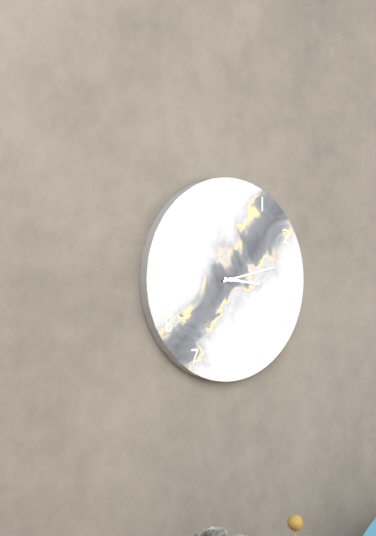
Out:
3,13
